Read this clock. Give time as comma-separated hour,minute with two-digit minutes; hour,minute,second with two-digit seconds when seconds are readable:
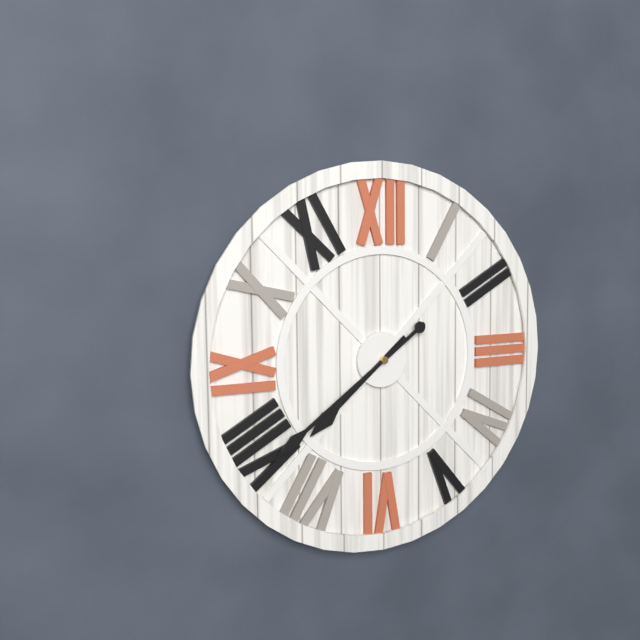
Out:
7,39
